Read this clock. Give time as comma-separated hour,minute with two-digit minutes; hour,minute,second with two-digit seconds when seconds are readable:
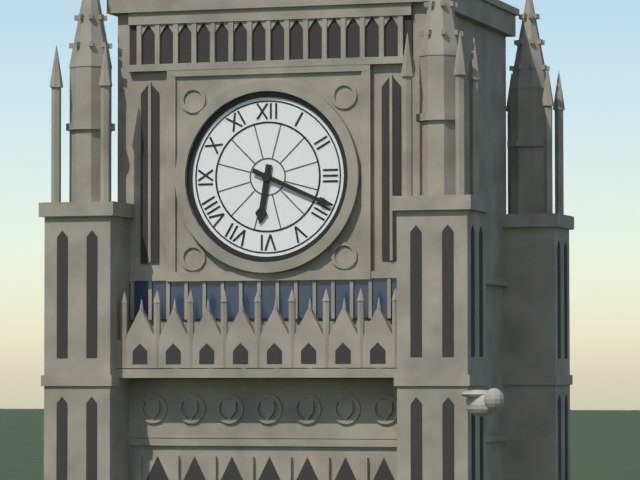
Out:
6,19
